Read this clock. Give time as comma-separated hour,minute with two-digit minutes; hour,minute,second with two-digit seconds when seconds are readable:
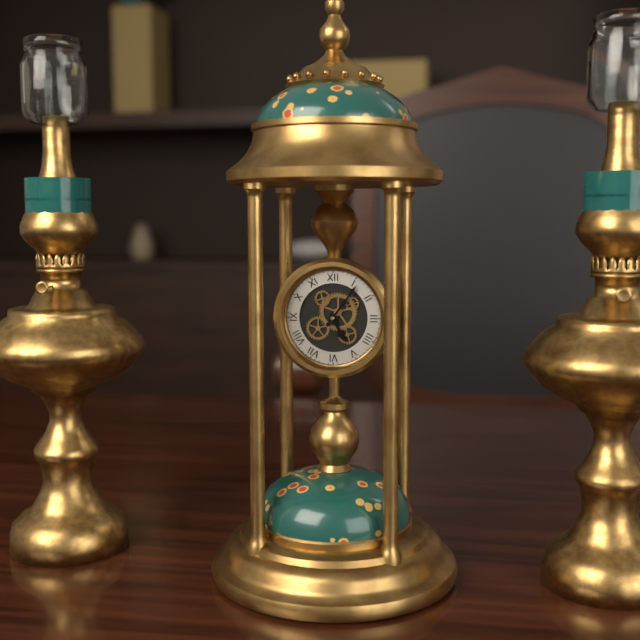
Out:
5,06
